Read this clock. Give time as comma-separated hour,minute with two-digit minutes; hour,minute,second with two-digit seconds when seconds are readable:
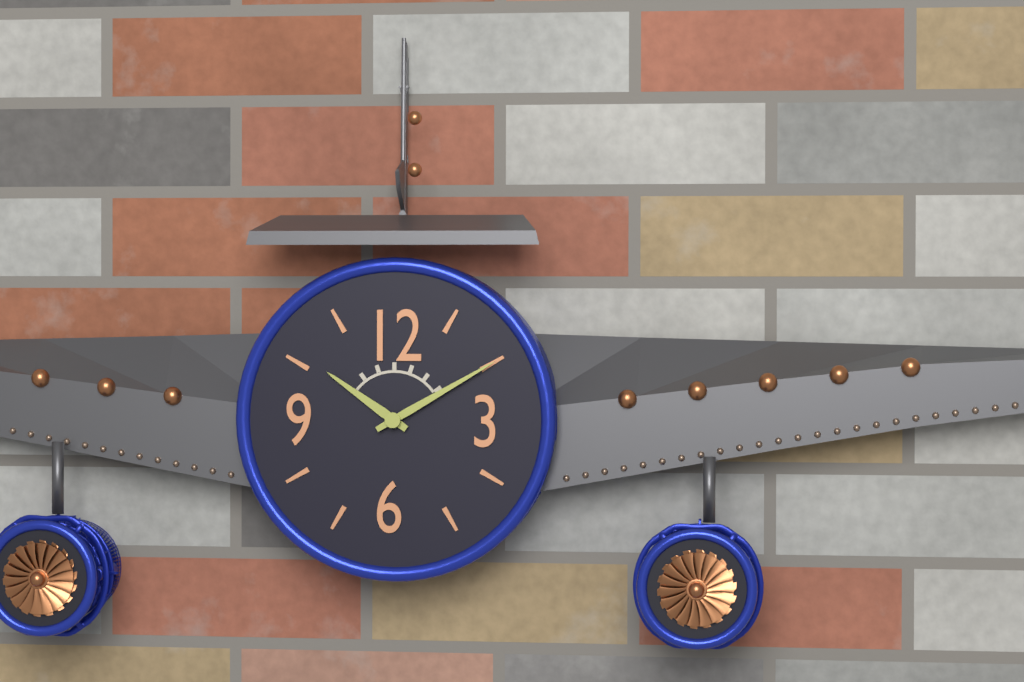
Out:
10,10
